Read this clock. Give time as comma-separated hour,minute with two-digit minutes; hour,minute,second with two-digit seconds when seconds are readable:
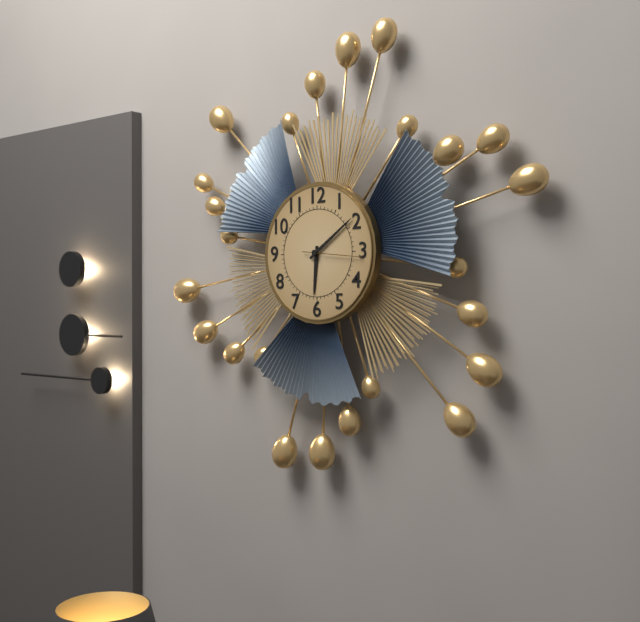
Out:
6,09,16
